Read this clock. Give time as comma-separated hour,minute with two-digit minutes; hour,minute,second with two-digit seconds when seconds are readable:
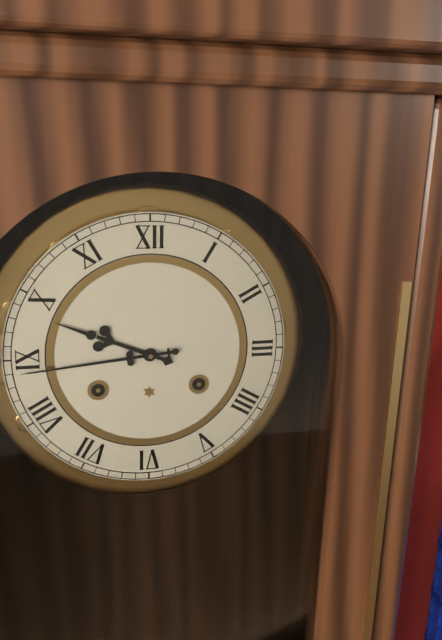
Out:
9,44
